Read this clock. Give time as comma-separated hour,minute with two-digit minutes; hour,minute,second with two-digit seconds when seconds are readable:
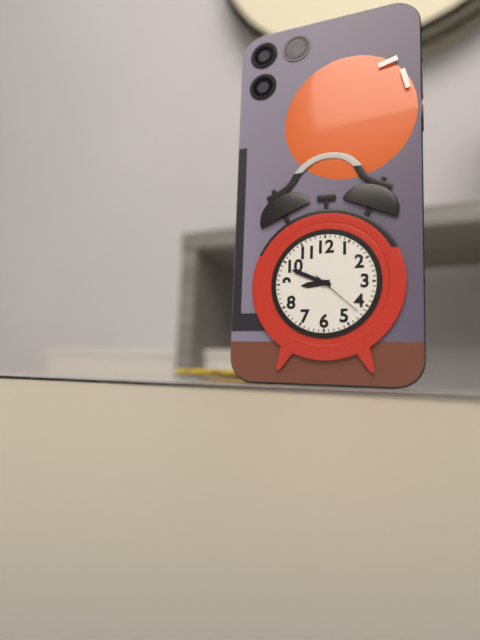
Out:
8,49,22
